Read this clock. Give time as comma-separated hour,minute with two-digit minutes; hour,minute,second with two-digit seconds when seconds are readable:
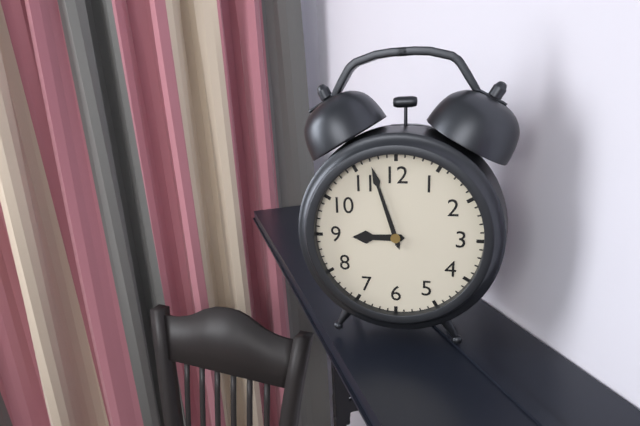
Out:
8,57
